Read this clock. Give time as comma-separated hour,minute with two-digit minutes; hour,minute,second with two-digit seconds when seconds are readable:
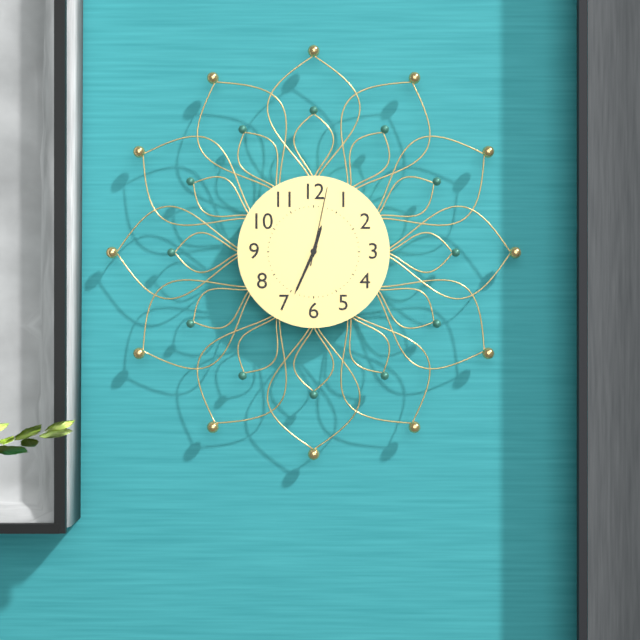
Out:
12,34,02
